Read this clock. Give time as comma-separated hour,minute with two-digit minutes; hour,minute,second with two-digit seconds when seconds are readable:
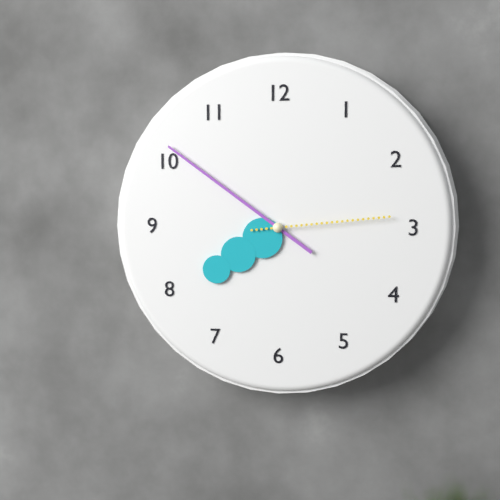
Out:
7,51,14
